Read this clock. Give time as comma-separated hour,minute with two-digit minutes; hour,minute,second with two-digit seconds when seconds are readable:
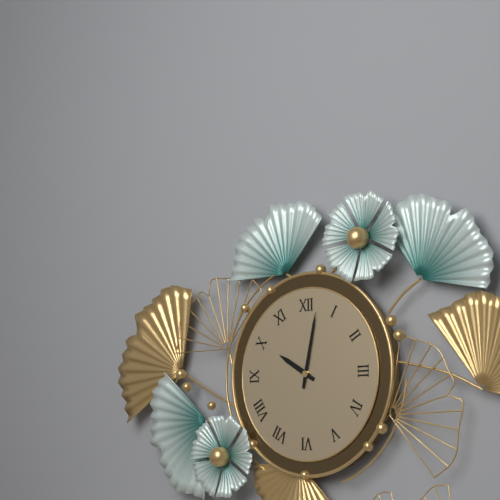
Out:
10,02
